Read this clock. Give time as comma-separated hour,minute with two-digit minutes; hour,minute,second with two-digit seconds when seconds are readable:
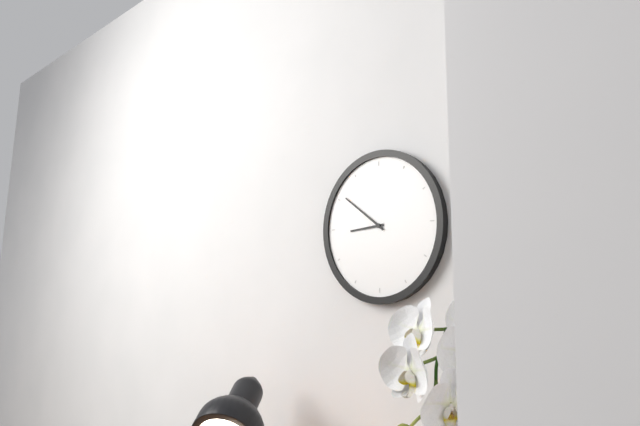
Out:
8,51
